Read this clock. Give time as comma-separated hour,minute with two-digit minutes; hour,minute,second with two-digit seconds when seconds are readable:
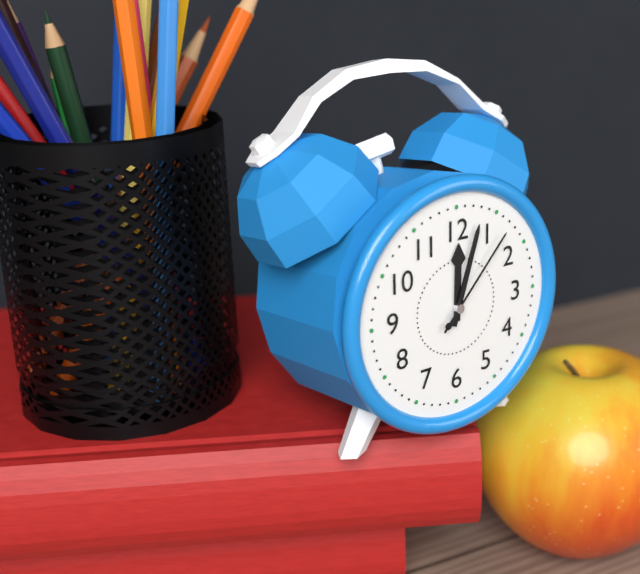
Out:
12,03,07
